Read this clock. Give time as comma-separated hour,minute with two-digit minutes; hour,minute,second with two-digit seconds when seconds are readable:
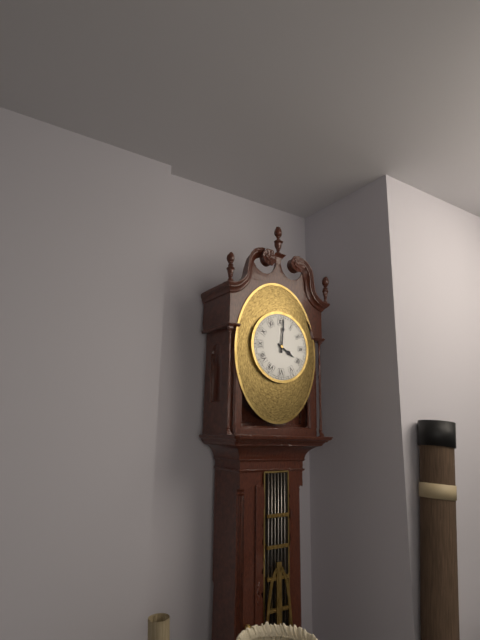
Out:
4,01
